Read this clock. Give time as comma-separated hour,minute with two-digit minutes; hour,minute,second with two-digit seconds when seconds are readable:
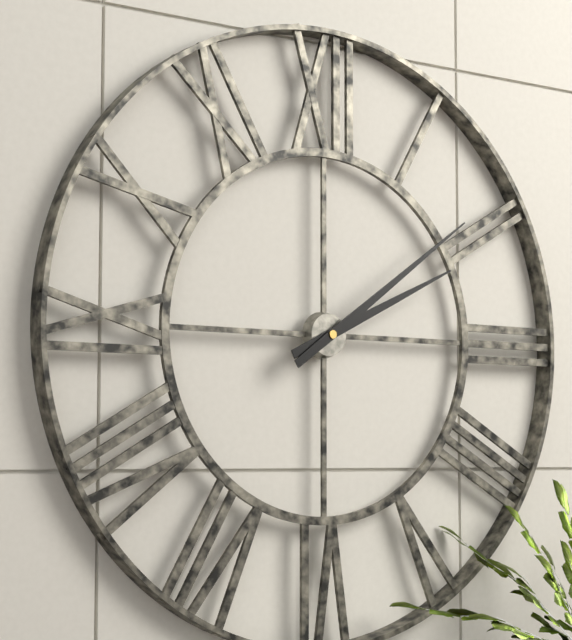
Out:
2,09
